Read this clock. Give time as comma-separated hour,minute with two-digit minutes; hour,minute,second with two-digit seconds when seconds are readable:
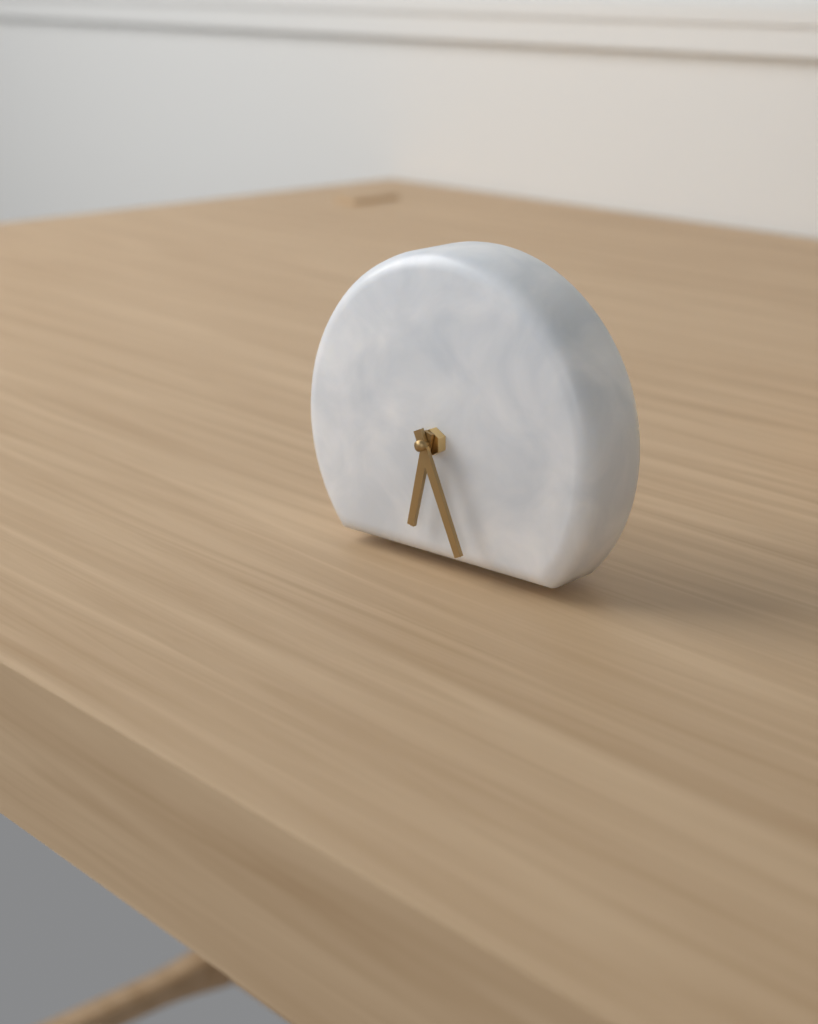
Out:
6,26
